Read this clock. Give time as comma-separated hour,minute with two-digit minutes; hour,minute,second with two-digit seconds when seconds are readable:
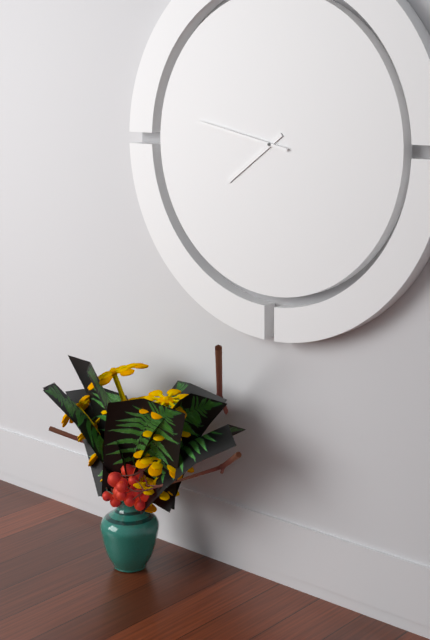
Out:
7,47
